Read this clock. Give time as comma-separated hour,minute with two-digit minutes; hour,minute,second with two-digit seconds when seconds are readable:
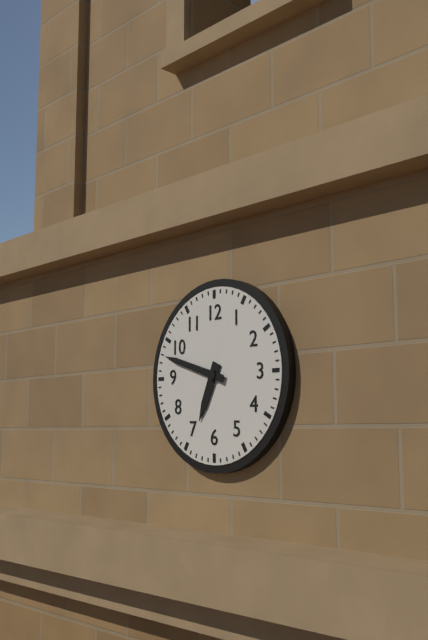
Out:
6,48
